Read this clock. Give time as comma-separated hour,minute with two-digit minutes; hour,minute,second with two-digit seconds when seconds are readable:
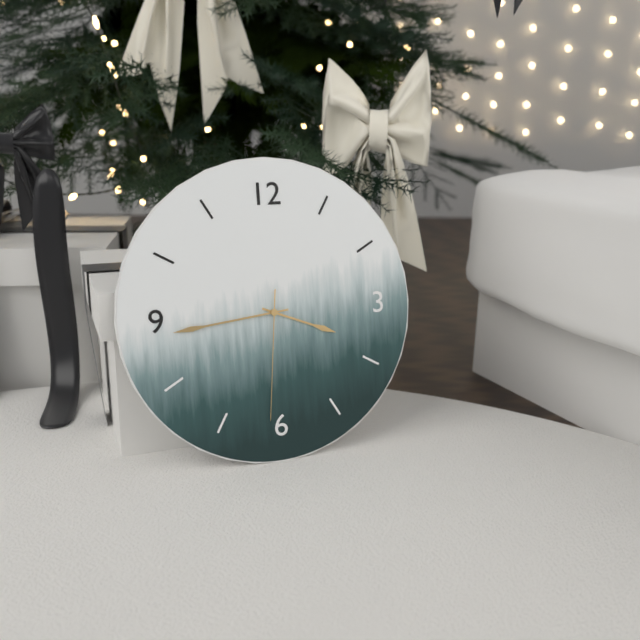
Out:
3,44,31
